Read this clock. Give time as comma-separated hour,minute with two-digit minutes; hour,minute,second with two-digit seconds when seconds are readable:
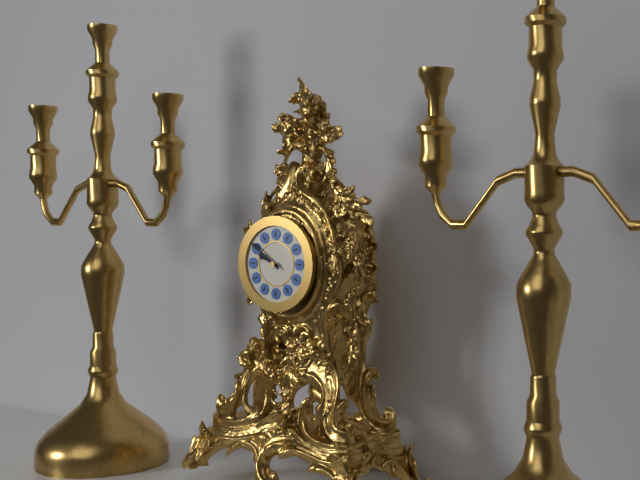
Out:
9,51
